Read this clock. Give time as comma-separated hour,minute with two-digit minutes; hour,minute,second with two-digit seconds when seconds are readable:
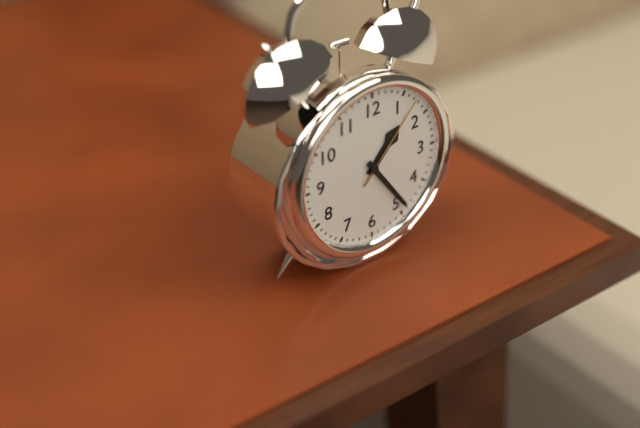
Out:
1,24,07
